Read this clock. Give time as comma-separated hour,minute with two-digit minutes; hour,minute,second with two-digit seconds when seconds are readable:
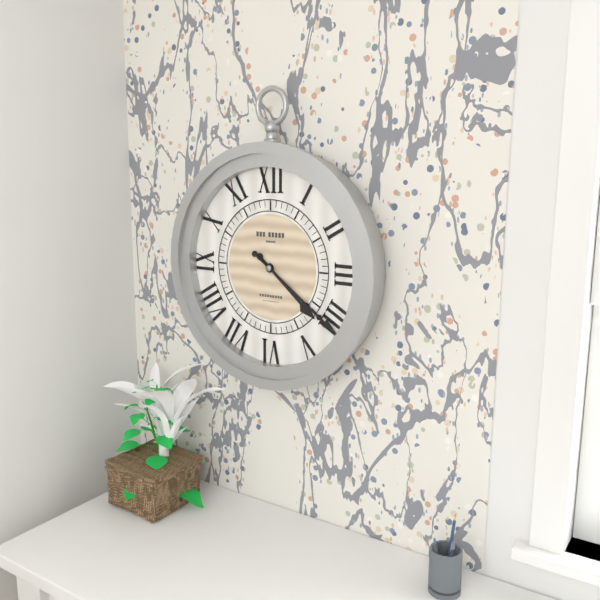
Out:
4,21
